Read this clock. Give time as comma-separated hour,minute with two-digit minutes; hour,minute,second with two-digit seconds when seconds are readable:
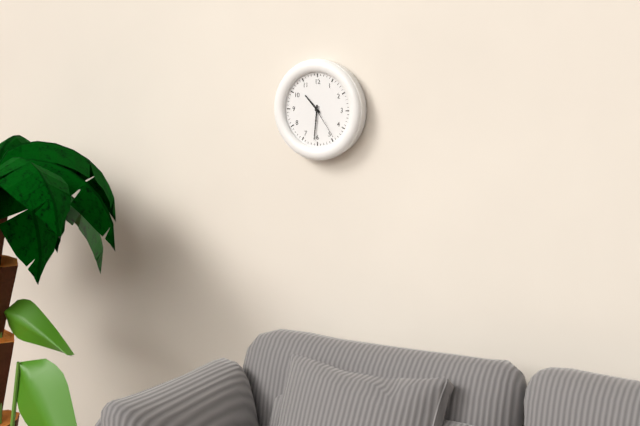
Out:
10,31
